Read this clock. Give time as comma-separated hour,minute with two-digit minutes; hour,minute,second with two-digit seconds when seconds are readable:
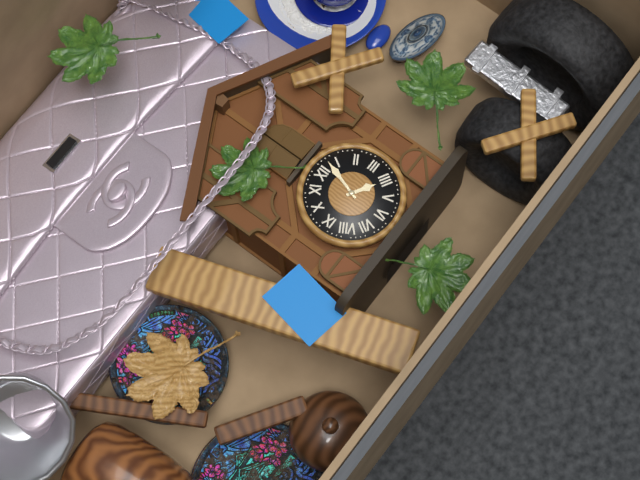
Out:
4,03
